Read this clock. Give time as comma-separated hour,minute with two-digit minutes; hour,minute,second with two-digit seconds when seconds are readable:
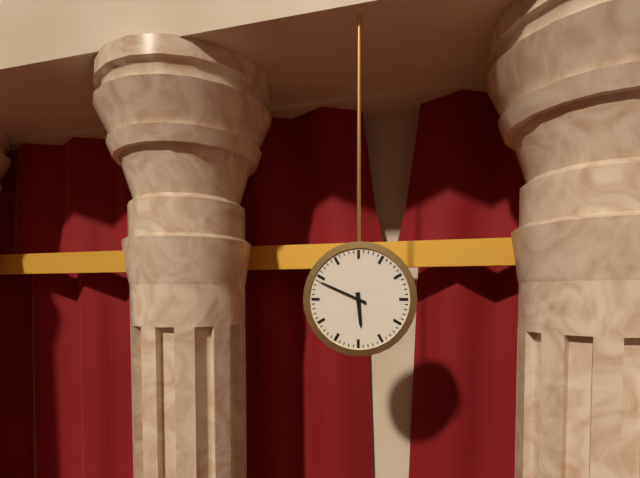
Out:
5,49
